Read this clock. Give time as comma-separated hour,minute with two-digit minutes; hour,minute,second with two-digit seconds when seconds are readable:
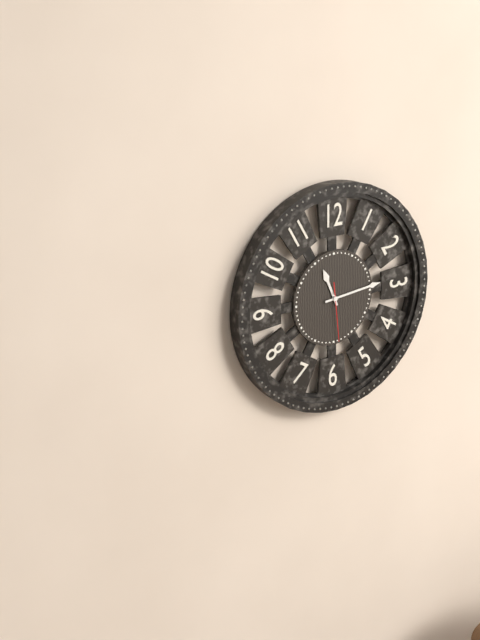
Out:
11,14,29
